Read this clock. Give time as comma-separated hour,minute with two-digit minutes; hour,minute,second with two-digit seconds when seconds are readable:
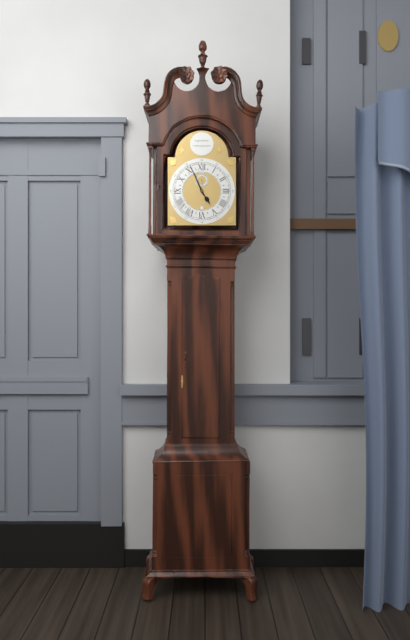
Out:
4,56
